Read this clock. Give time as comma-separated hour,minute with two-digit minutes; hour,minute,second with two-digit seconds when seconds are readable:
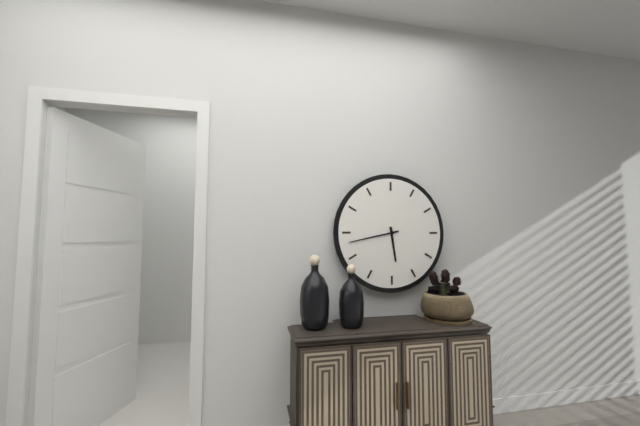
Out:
5,43
